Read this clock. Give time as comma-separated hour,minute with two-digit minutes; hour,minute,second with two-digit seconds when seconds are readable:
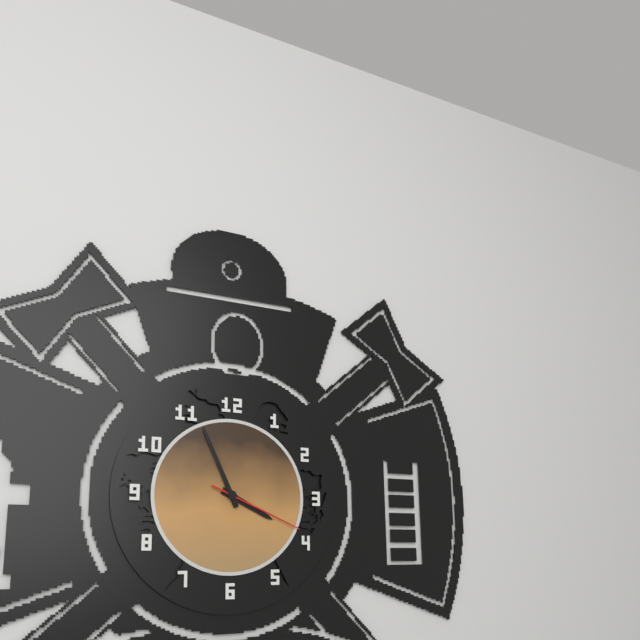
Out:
3,56,19
